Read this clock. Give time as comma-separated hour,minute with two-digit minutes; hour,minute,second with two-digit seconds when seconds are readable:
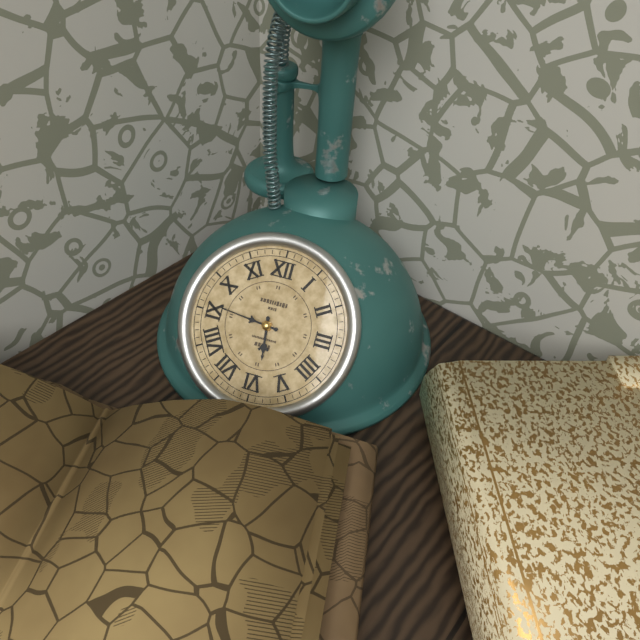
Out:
5,46
